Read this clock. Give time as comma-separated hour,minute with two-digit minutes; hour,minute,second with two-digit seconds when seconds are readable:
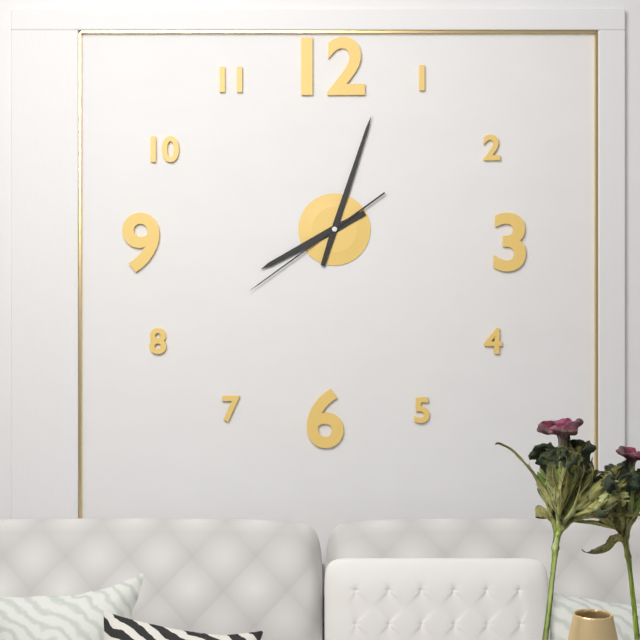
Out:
8,03,39
